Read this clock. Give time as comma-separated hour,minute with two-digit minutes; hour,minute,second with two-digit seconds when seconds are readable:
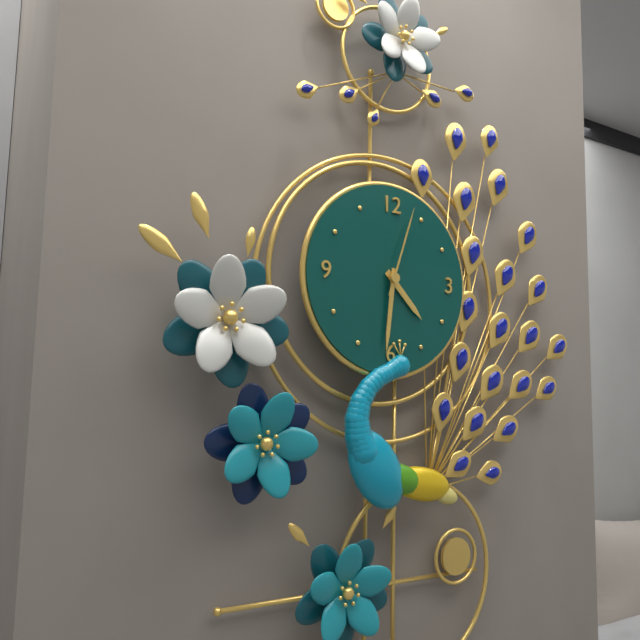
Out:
4,31,03
